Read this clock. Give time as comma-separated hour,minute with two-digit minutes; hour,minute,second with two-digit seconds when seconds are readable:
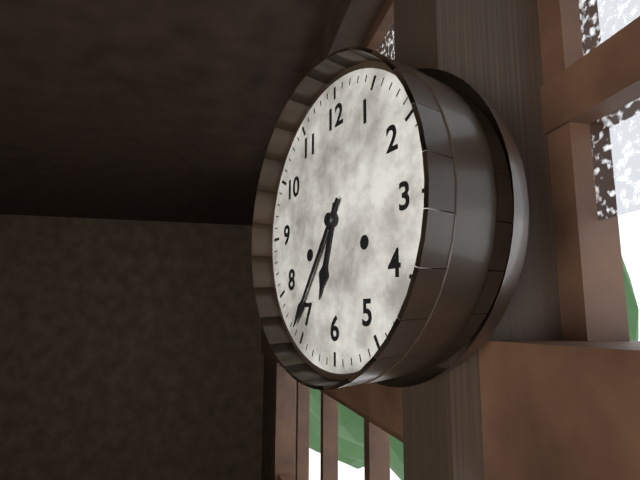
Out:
6,36
